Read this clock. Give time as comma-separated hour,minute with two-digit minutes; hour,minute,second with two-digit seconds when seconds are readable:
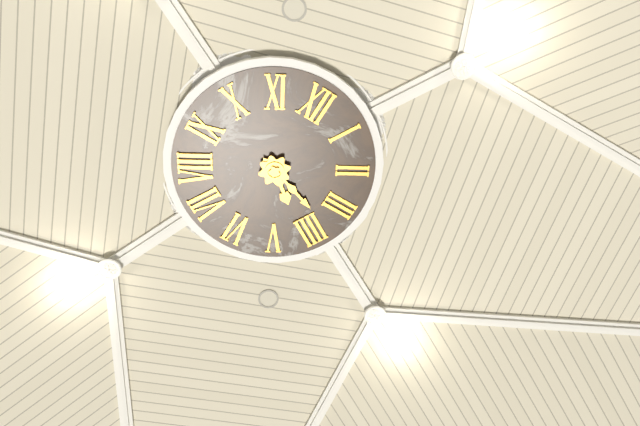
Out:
4,18
